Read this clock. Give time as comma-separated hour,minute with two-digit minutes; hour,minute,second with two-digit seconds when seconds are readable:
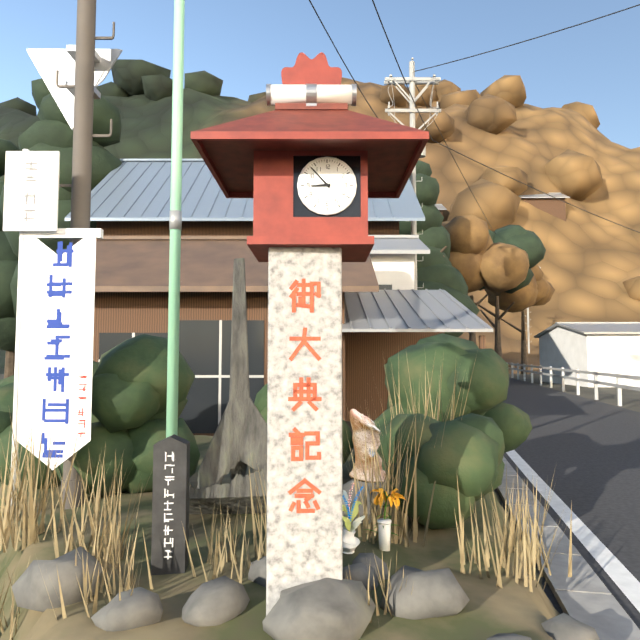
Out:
8,53
